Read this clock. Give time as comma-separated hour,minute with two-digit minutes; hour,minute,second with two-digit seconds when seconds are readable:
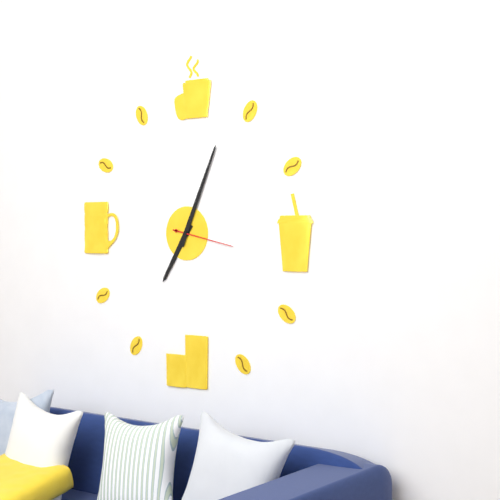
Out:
7,04,17
